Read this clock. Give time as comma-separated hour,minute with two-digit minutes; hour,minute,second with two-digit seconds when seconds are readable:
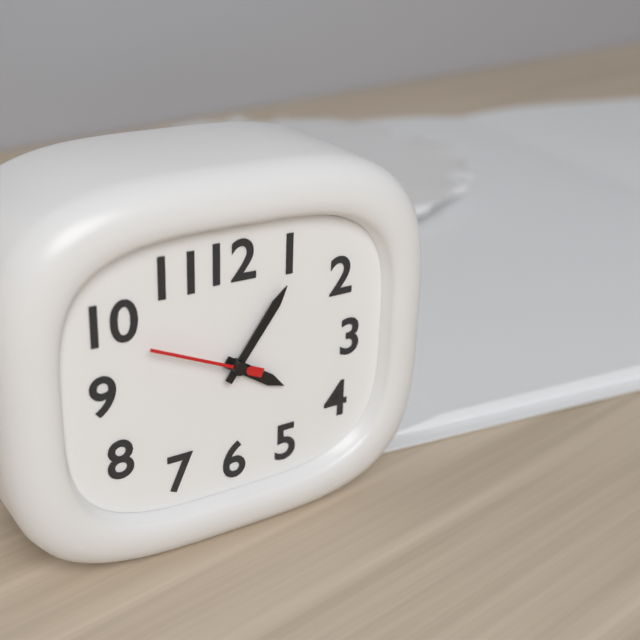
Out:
4,06,49
